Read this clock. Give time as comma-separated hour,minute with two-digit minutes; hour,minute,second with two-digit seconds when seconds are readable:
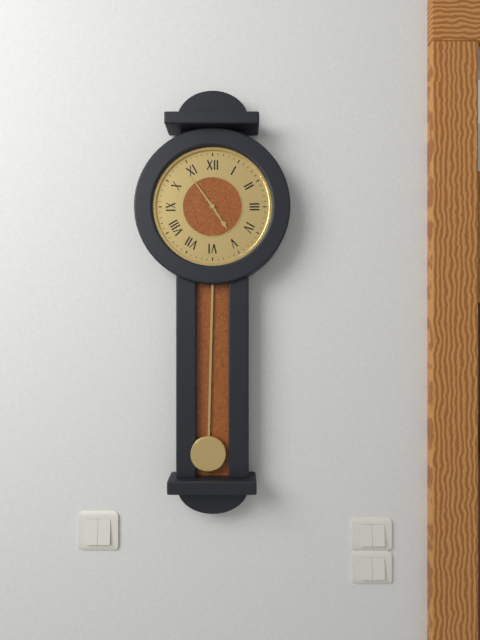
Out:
4,54
